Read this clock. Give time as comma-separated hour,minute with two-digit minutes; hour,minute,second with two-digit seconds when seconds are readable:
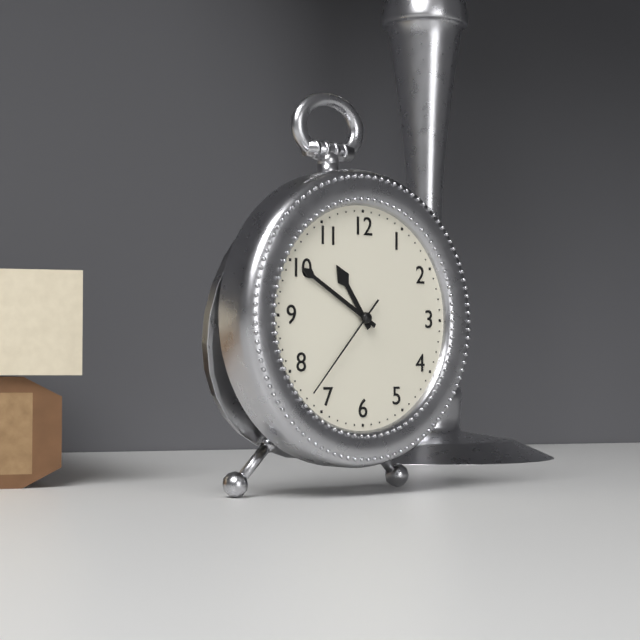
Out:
10,50,37
